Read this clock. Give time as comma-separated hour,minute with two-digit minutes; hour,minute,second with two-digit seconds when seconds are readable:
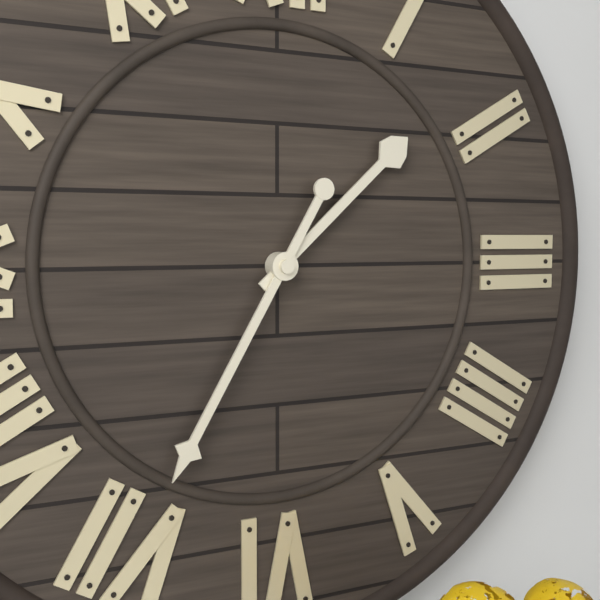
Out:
1,35
